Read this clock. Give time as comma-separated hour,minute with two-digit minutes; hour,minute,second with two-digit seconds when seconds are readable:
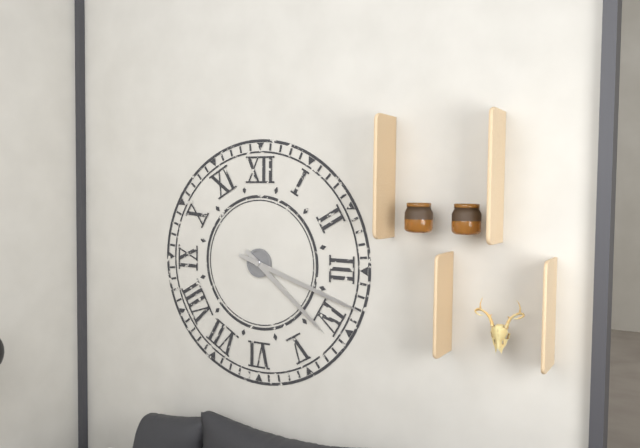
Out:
4,18
